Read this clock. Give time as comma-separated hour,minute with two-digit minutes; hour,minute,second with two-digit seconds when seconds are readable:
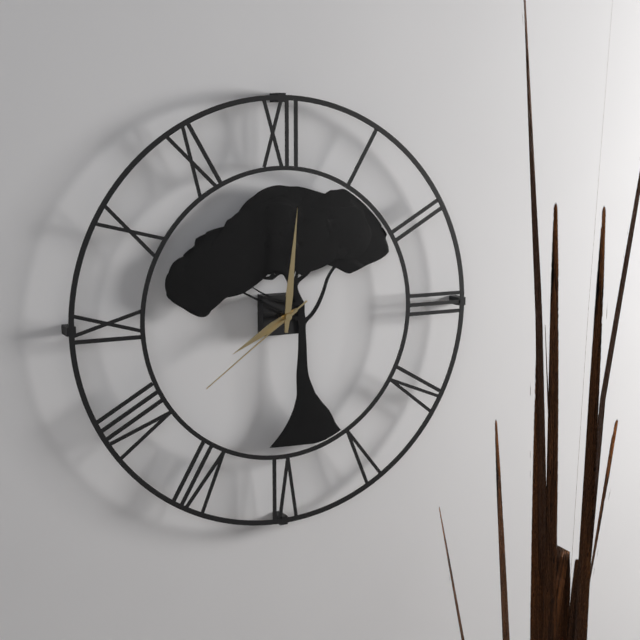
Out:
8,01,39
